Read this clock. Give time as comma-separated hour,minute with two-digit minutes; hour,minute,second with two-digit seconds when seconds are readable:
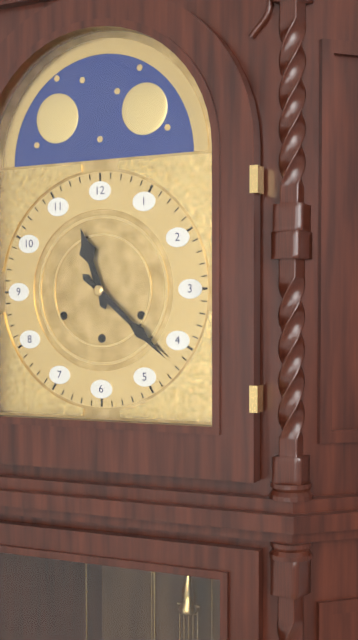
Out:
11,22
